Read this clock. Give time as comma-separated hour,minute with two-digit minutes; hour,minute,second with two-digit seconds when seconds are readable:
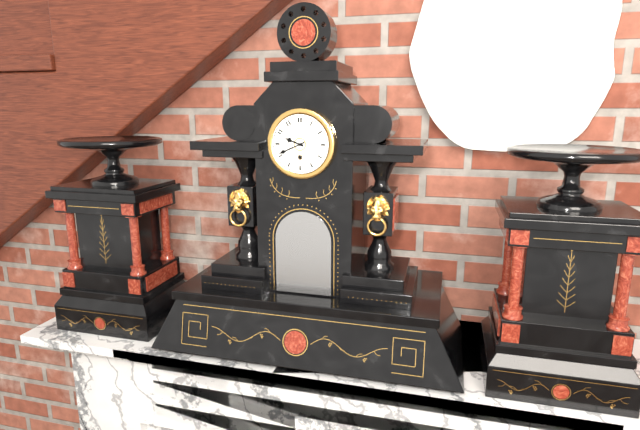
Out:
9,41
